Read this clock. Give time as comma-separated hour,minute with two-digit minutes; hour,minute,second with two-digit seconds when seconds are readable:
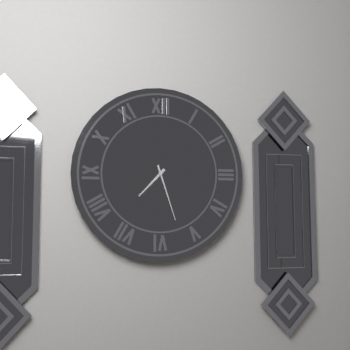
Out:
7,27
